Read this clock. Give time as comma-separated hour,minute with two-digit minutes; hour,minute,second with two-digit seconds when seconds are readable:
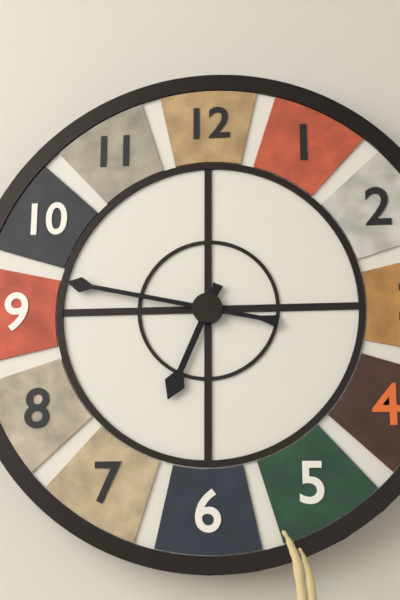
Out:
6,47
